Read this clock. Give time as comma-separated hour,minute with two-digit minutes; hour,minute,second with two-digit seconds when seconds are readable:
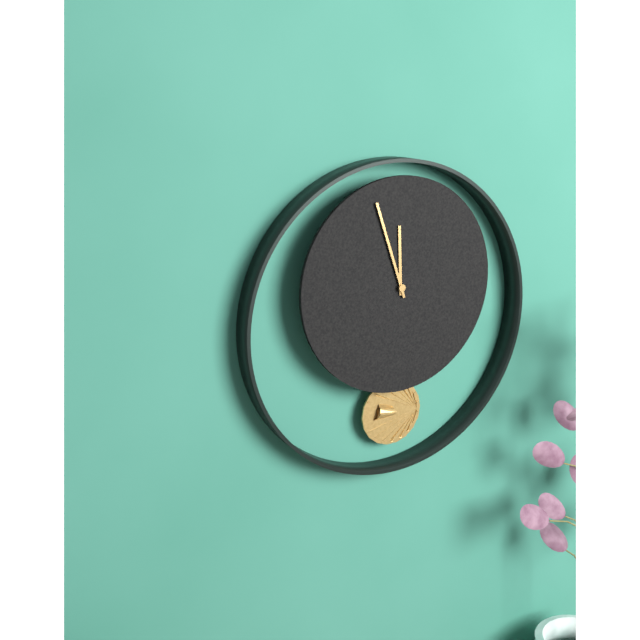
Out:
11,57
